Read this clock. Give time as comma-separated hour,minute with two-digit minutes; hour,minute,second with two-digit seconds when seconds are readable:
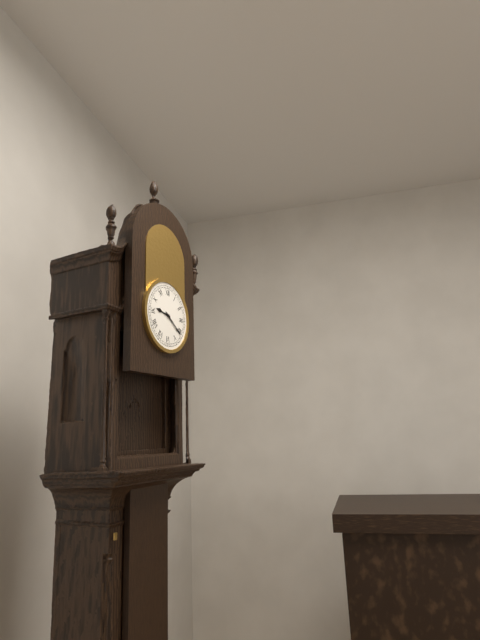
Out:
9,21
